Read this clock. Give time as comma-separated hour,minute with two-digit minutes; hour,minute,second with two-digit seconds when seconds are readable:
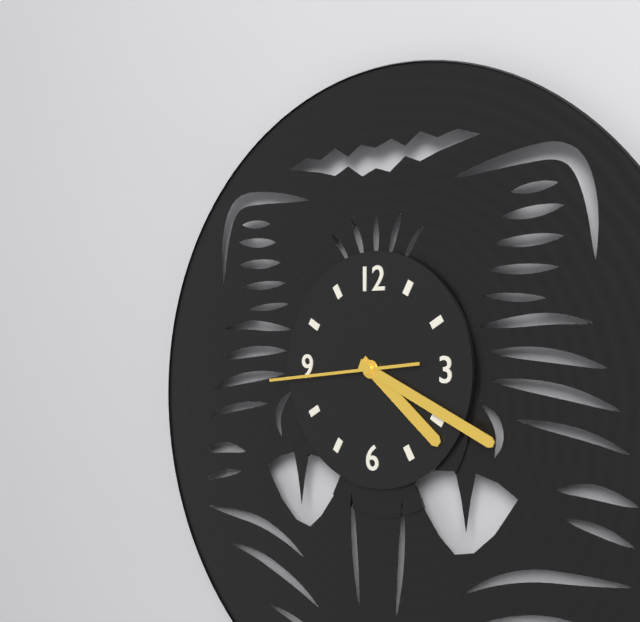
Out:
4,19,44
